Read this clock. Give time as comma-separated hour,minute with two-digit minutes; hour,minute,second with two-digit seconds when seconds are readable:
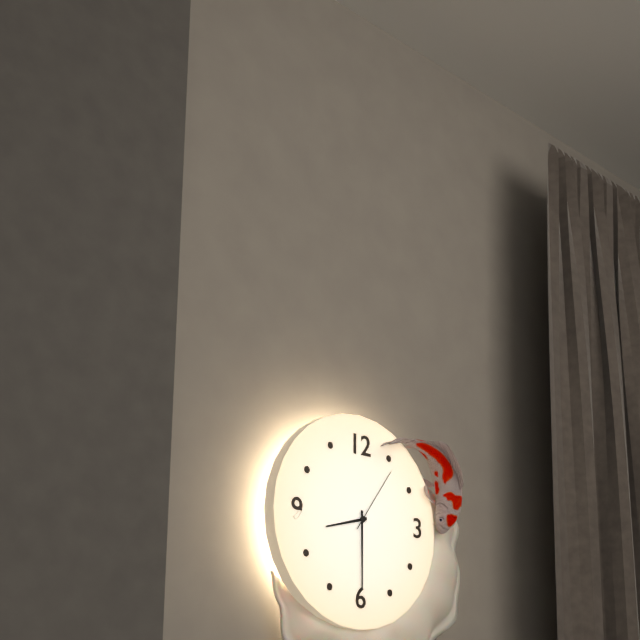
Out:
8,30,06
